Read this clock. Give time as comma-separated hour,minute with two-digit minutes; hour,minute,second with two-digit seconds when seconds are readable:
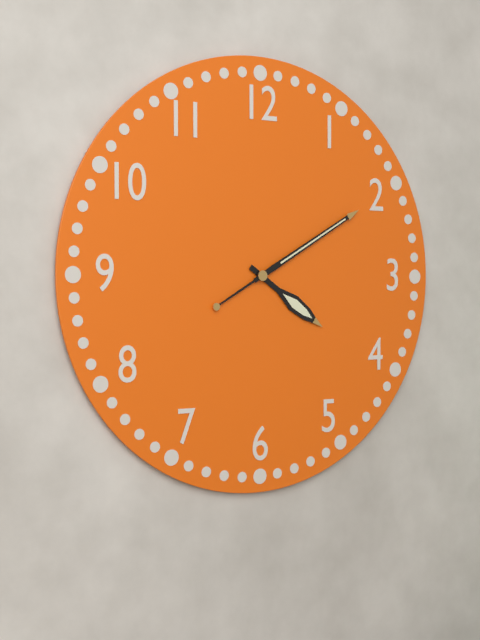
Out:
4,10
